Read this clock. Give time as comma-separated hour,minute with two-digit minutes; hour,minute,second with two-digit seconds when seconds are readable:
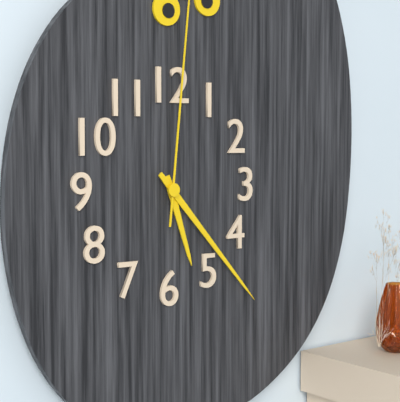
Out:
5,23
